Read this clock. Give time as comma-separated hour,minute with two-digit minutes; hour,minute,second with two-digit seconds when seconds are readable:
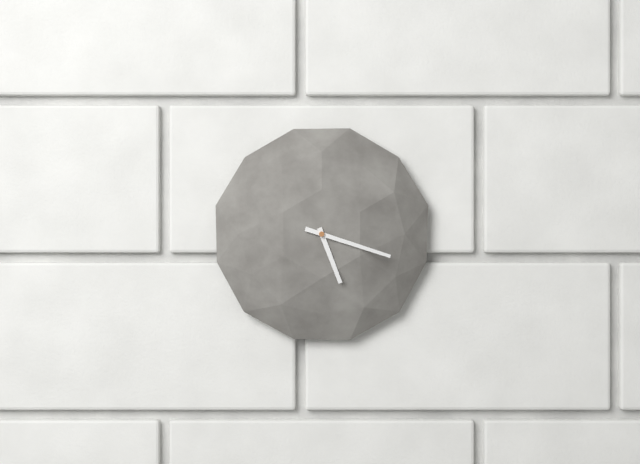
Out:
5,18
